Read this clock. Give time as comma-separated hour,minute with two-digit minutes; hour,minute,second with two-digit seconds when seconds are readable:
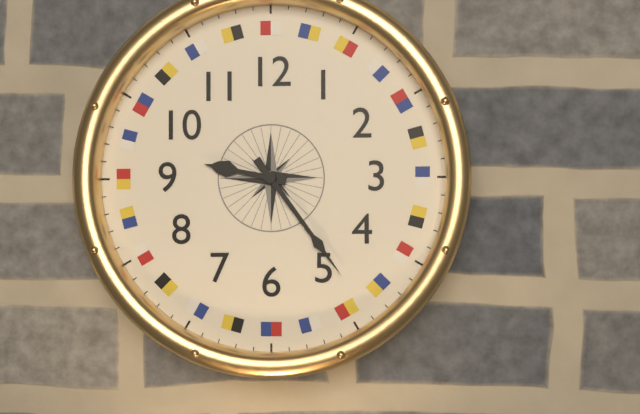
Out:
9,24
